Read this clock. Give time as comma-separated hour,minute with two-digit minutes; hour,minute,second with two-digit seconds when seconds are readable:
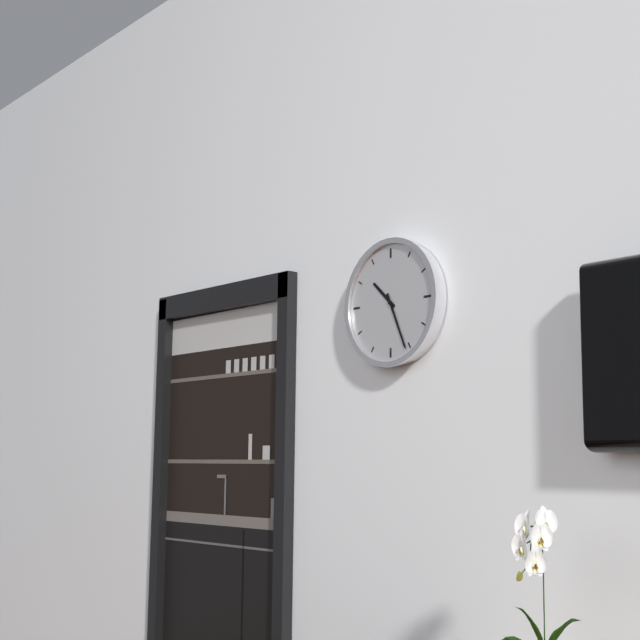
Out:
10,26
